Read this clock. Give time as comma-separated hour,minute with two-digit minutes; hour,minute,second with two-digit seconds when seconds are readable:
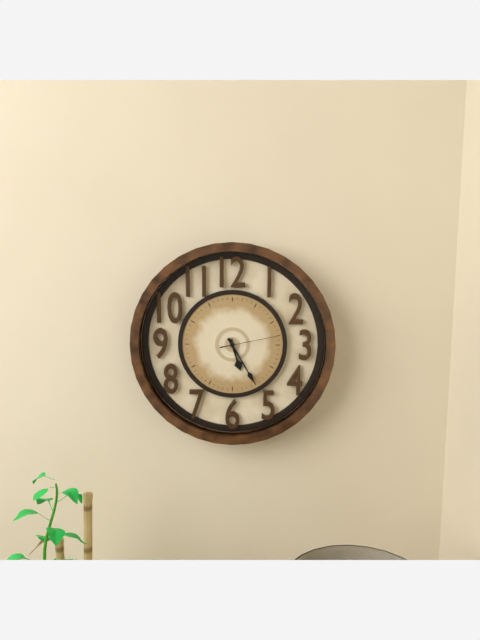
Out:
5,25,13
